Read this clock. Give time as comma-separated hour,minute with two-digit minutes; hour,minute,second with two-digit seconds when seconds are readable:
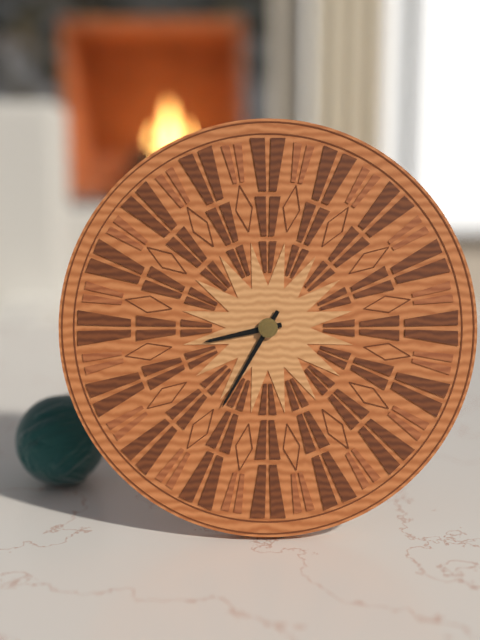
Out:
8,35
